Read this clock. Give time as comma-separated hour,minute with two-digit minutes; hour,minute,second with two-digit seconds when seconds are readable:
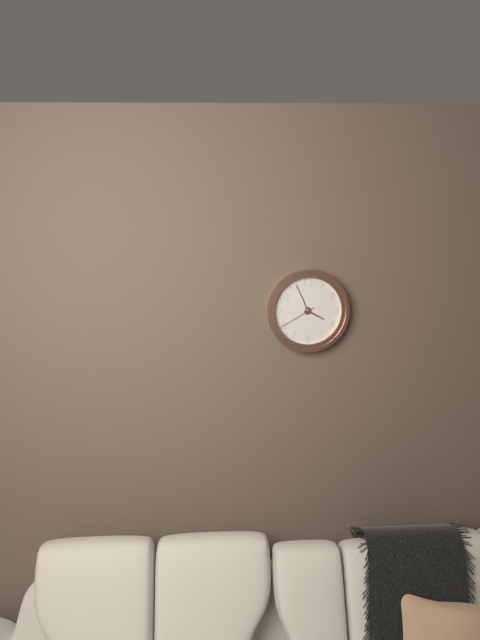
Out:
3,56
